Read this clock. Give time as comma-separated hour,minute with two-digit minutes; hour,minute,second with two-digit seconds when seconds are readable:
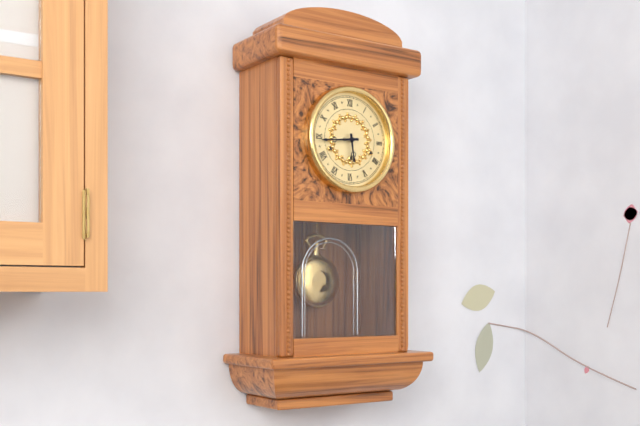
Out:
5,44
